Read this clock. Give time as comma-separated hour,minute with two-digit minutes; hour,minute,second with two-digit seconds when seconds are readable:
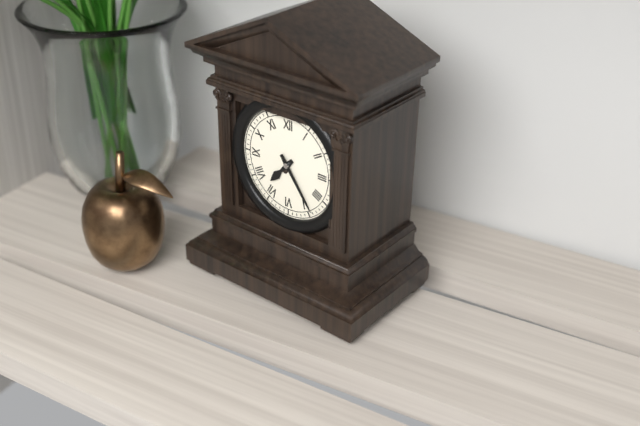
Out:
7,24
